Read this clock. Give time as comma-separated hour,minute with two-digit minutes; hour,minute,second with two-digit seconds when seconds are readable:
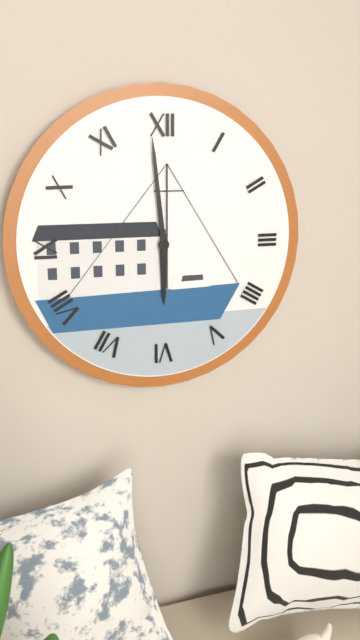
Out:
5,59
